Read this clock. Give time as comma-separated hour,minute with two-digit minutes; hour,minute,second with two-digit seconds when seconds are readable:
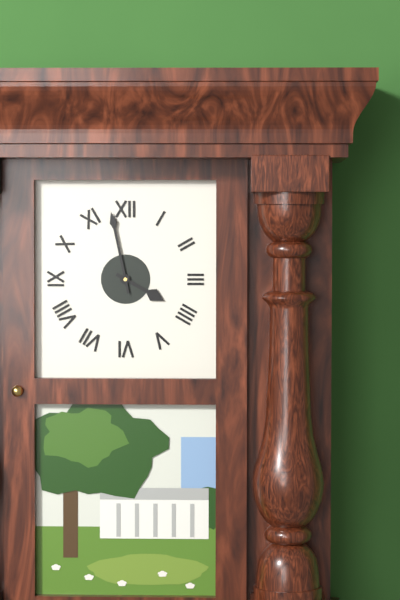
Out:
3,58
